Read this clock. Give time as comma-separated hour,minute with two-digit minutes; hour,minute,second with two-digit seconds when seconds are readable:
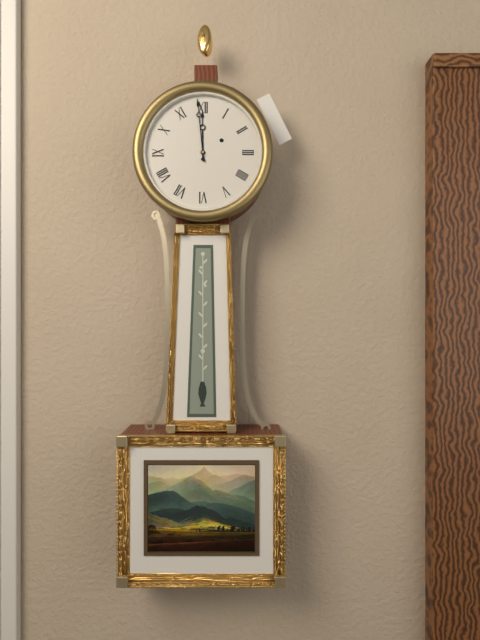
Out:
11,59
